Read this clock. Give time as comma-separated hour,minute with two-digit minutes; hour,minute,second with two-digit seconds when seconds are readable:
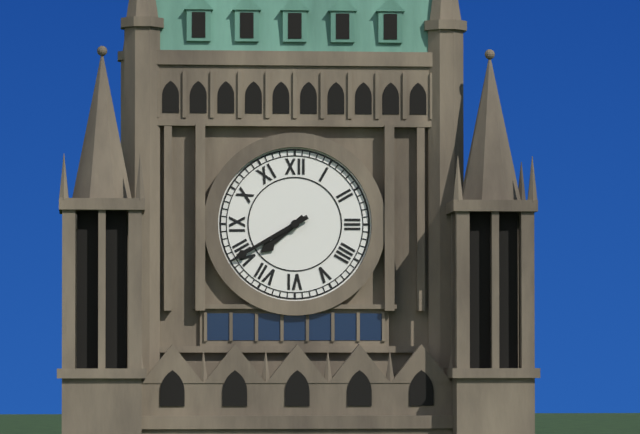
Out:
7,40
